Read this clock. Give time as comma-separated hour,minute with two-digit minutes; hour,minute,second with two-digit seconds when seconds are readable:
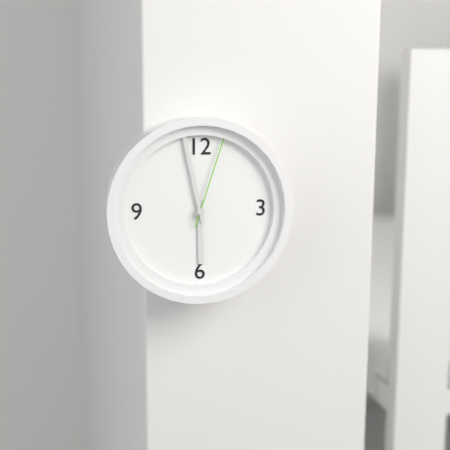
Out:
5,58,03
